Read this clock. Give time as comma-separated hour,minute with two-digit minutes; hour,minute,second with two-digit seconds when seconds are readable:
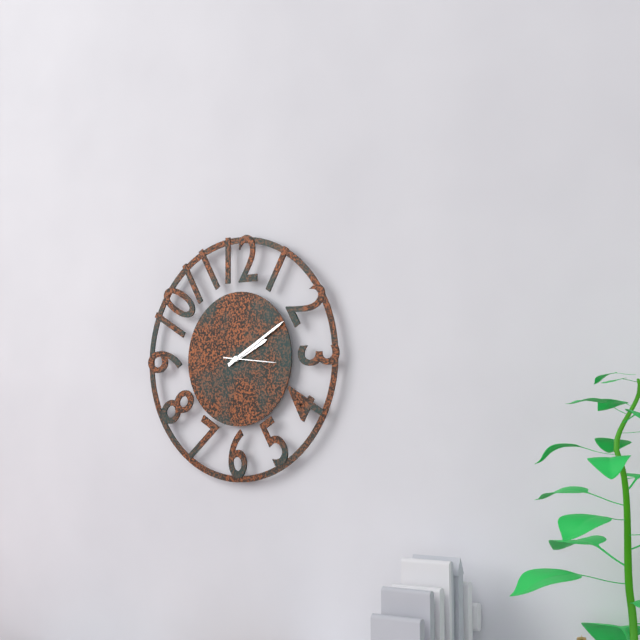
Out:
2,10
